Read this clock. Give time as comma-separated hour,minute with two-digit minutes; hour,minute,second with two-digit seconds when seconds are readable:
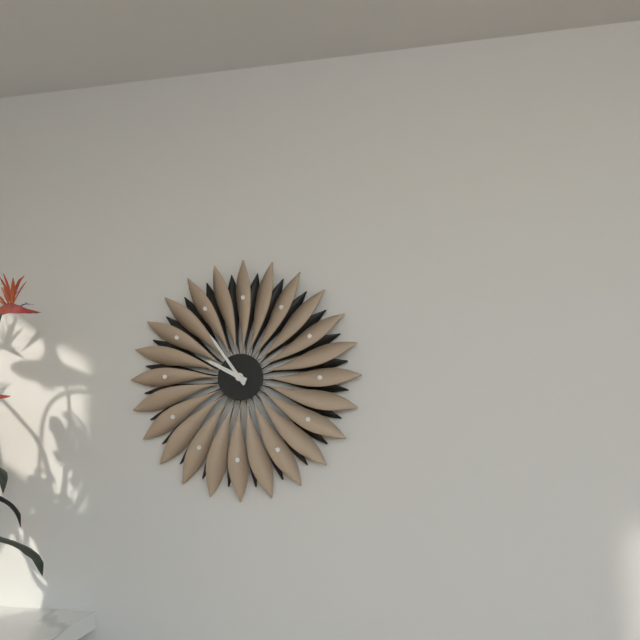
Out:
9,54
